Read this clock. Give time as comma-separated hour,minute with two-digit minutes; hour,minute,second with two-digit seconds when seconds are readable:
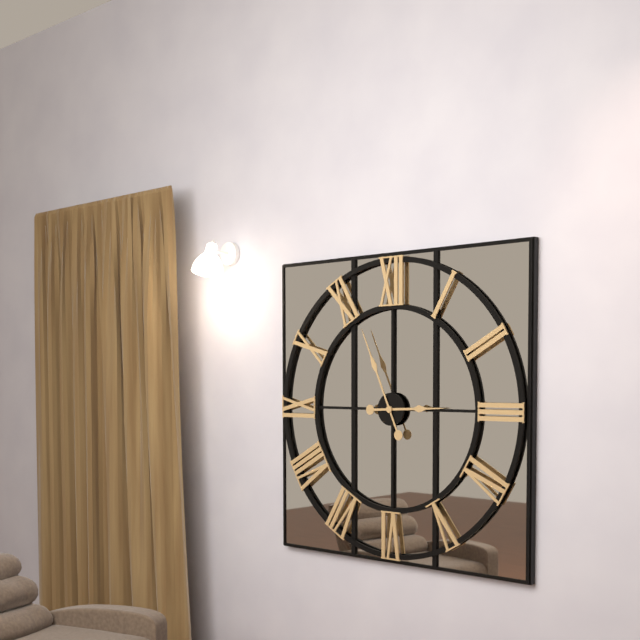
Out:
2,56
